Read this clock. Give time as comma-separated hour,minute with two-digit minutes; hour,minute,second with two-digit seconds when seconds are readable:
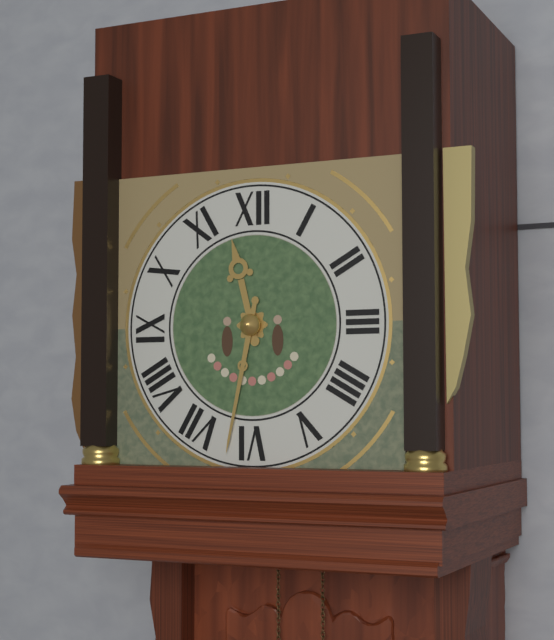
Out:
11,32
